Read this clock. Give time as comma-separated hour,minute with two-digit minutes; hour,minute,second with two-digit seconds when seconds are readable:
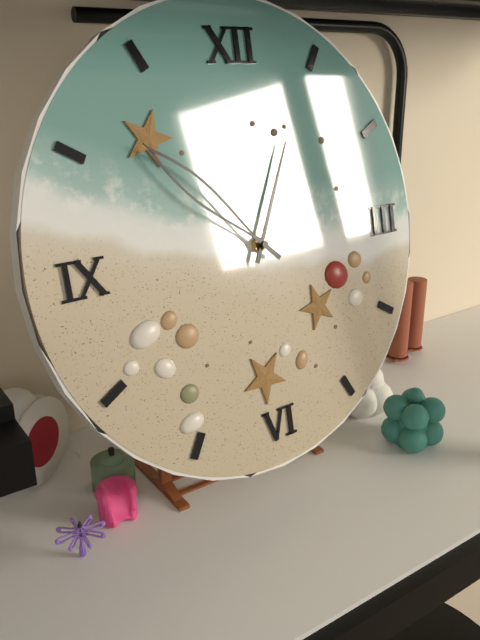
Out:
12,52
